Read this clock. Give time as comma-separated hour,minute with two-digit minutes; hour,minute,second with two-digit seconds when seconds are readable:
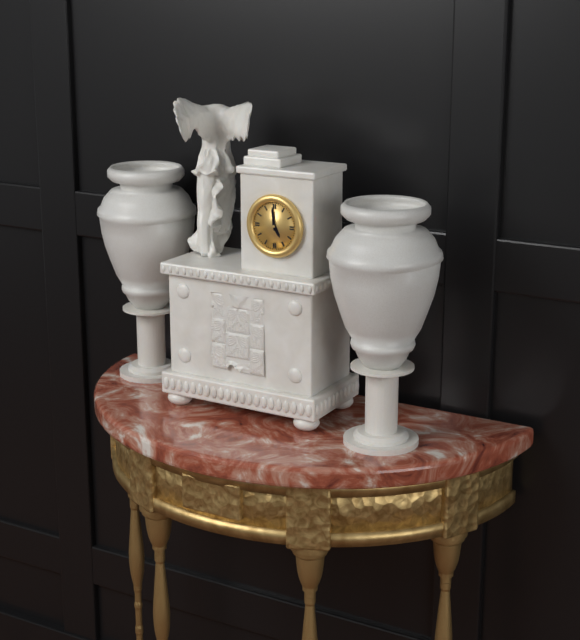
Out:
4,59
